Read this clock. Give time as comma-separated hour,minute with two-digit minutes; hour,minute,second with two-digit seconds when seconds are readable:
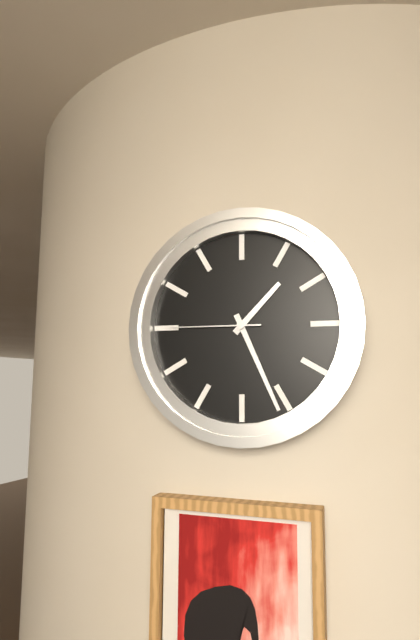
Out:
1,26,45
